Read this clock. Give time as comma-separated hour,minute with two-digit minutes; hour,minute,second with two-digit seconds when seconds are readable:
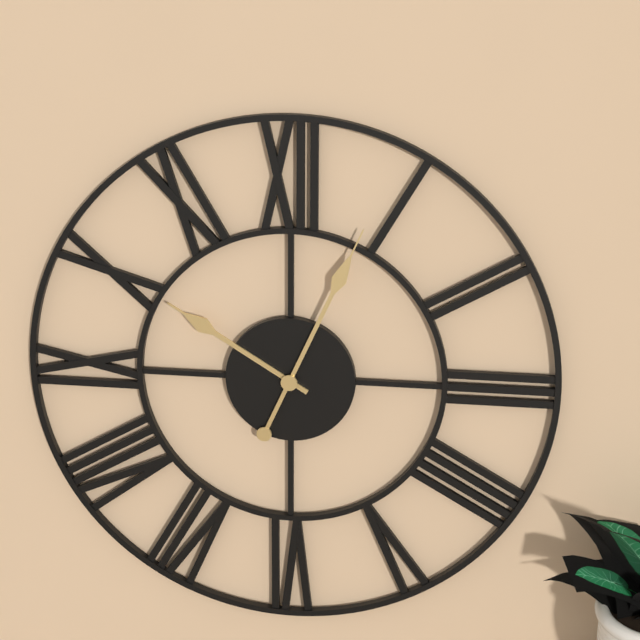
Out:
10,04
